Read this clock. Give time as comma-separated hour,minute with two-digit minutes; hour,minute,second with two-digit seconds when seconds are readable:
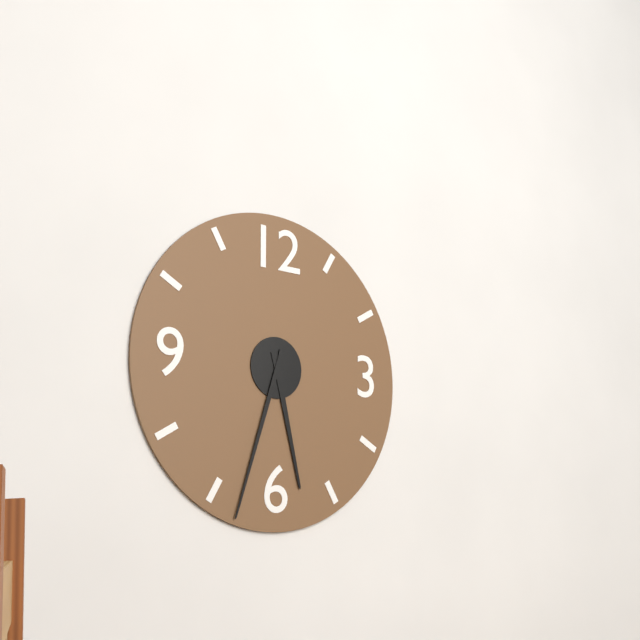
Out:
5,33
